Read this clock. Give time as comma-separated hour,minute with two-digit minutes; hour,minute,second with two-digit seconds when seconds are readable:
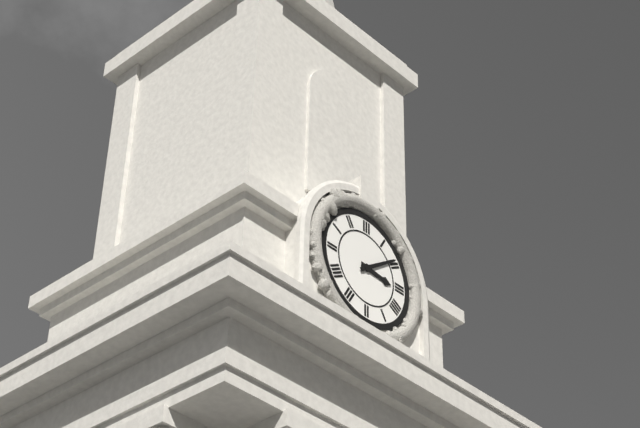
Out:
3,09
